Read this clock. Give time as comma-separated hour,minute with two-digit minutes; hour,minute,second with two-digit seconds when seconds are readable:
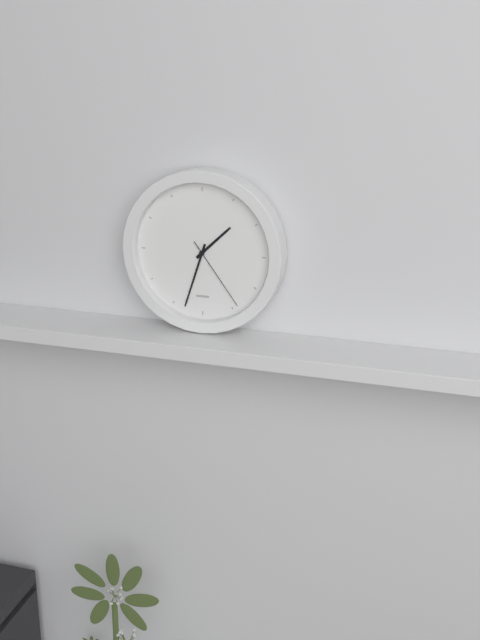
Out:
1,33,24
